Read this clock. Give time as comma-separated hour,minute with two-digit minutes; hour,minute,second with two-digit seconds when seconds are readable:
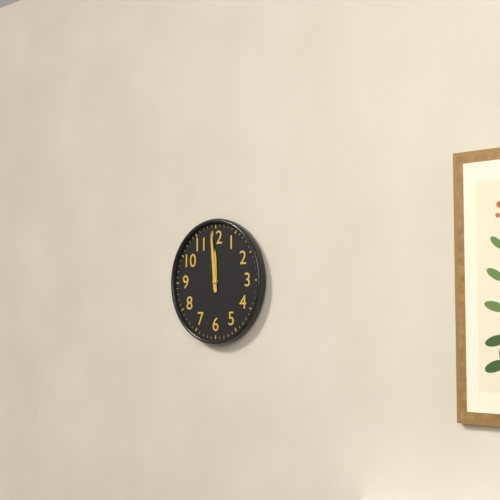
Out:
11,59
